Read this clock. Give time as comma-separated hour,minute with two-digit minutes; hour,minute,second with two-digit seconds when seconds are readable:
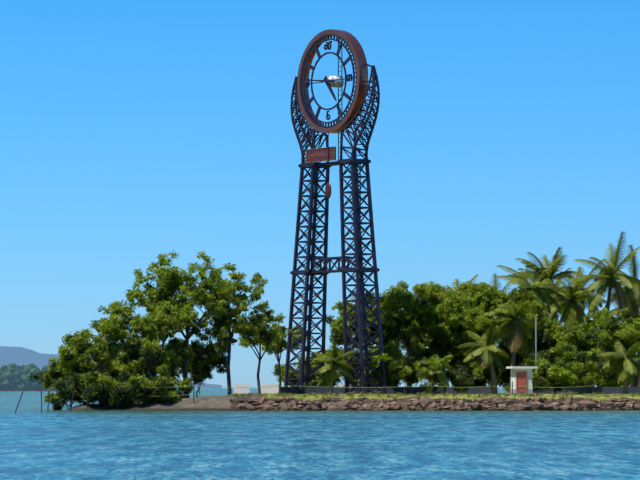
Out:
4,46
